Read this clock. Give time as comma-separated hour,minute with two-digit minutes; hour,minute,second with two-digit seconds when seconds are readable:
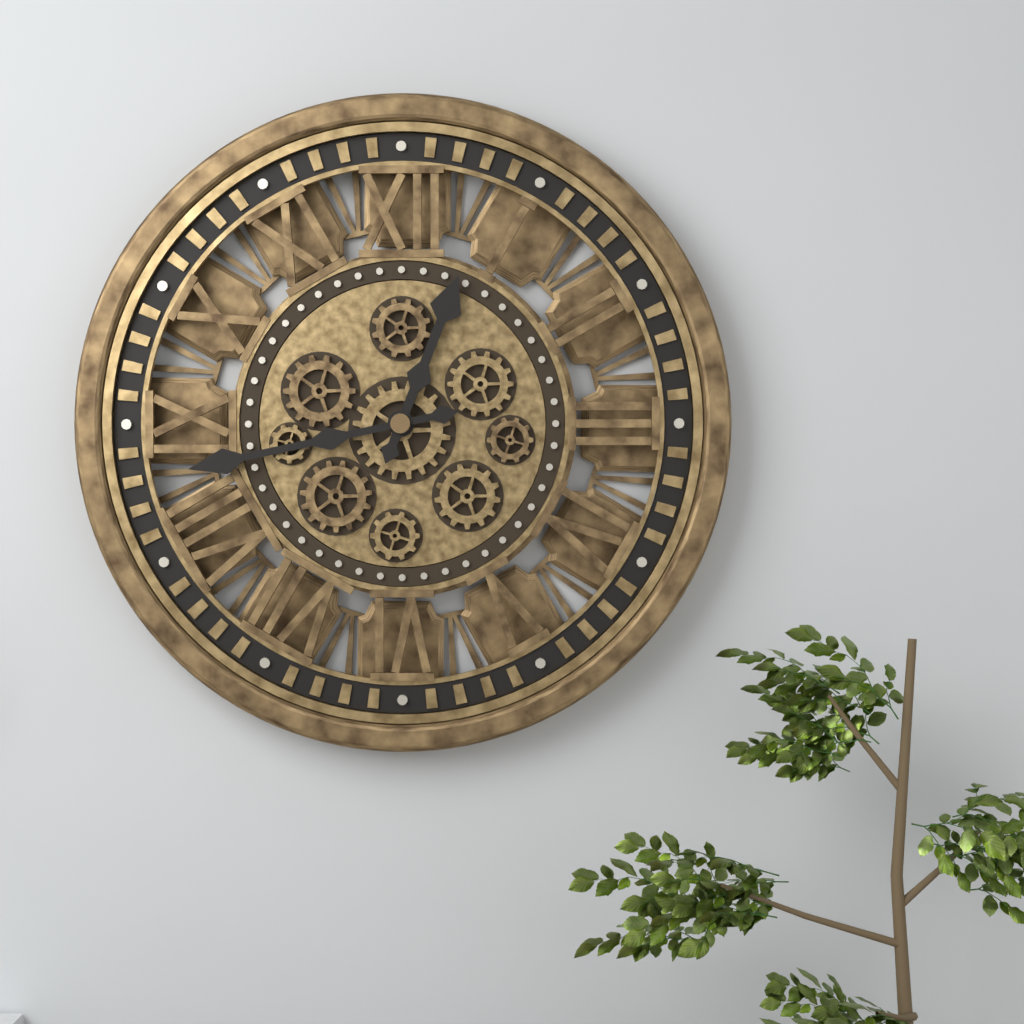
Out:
12,43
